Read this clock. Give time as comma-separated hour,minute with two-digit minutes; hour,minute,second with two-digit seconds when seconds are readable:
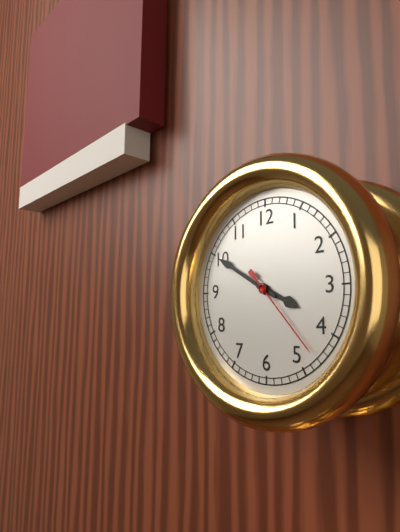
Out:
3,50,23
